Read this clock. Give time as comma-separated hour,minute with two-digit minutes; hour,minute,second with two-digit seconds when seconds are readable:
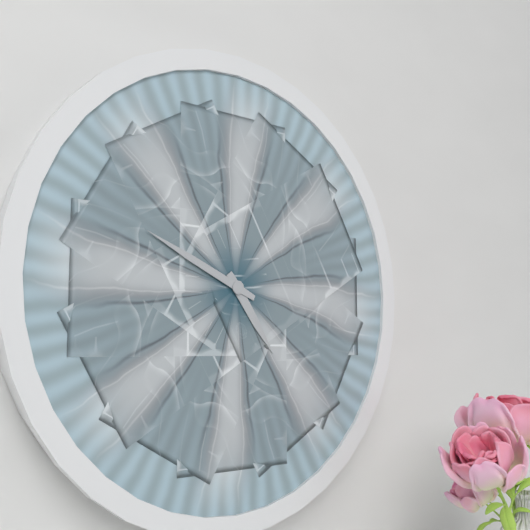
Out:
4,49
